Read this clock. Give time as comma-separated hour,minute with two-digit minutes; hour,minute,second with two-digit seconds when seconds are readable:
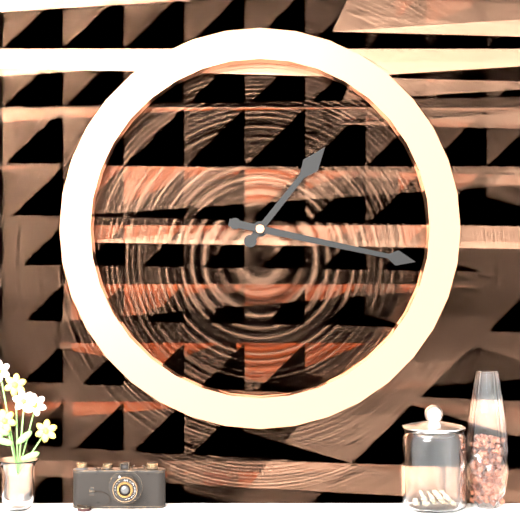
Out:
1,17
